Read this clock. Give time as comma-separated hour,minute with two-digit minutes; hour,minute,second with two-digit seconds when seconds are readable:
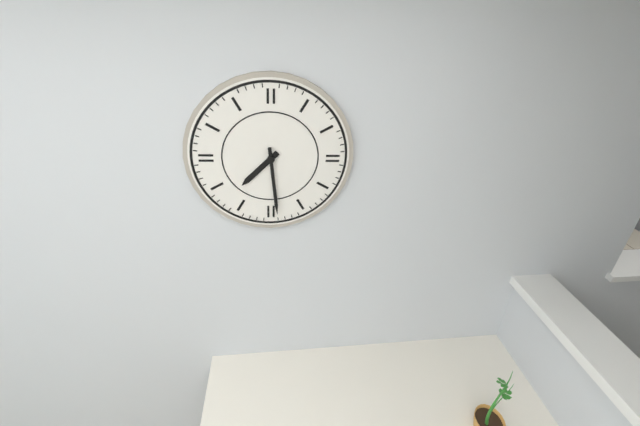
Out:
7,29
